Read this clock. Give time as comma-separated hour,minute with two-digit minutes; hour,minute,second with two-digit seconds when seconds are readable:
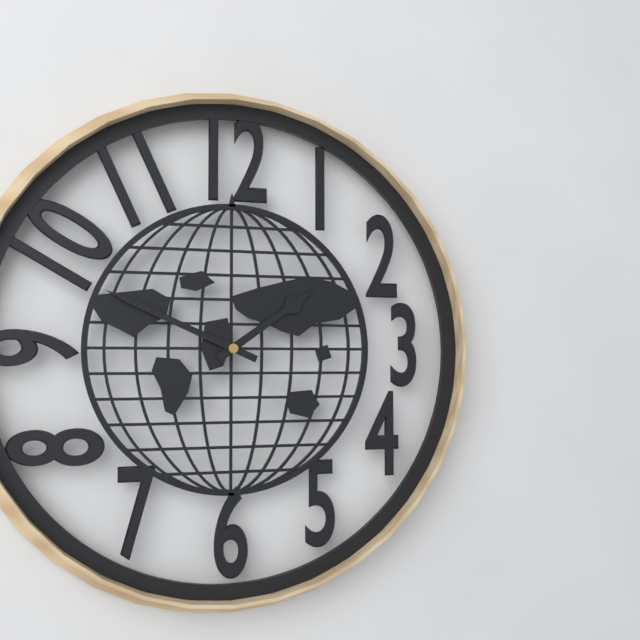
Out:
1,49
